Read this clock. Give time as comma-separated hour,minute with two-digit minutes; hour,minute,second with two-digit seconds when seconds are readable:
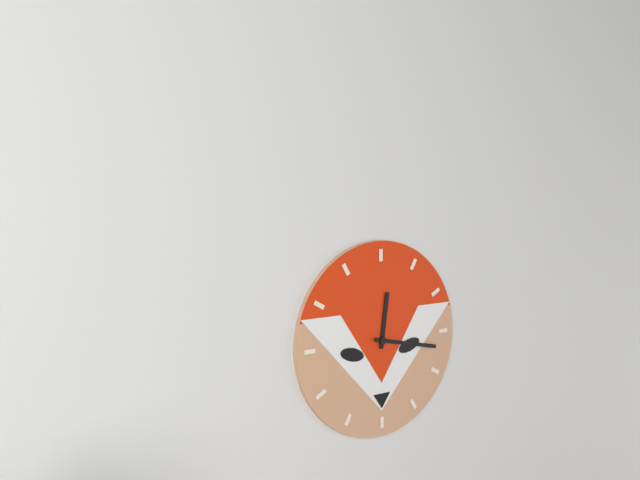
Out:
12,17
